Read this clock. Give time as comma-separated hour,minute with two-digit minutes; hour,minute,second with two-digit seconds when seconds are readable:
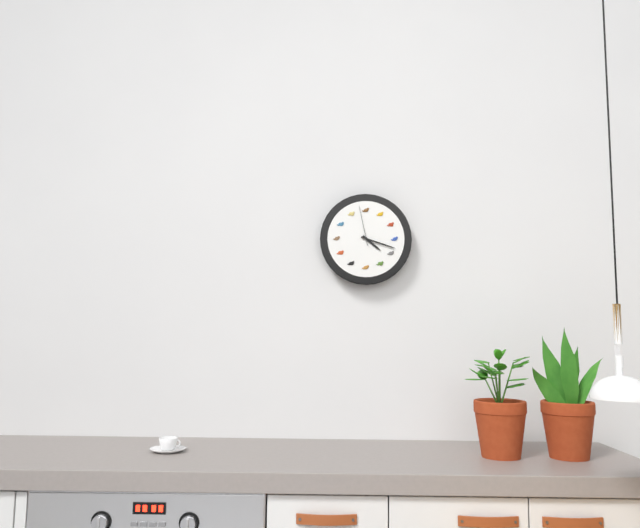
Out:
4,18
